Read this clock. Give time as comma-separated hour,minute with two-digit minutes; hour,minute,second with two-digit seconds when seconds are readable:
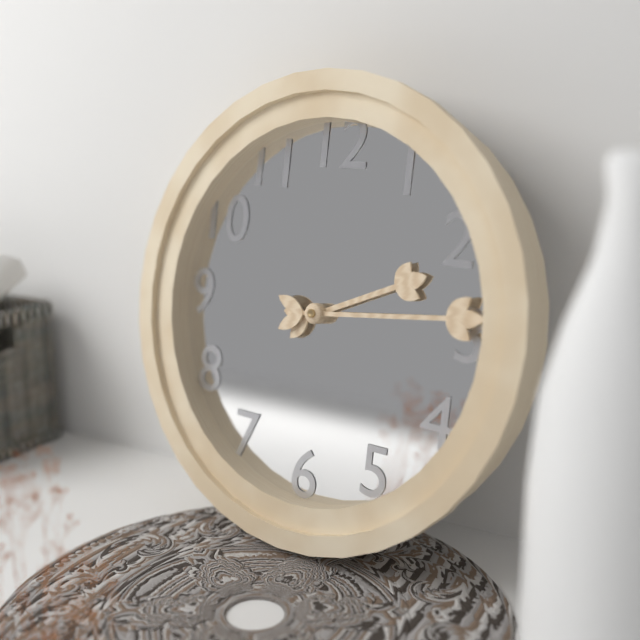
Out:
2,14
